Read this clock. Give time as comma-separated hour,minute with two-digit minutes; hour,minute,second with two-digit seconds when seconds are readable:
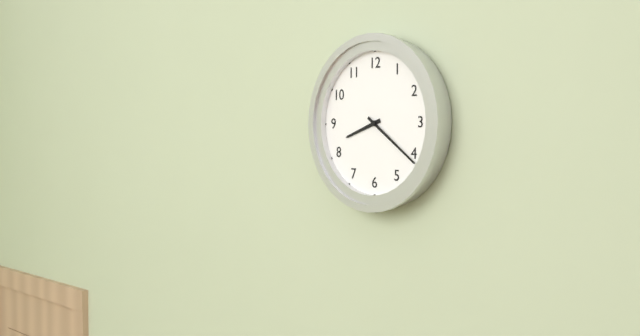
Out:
8,21
